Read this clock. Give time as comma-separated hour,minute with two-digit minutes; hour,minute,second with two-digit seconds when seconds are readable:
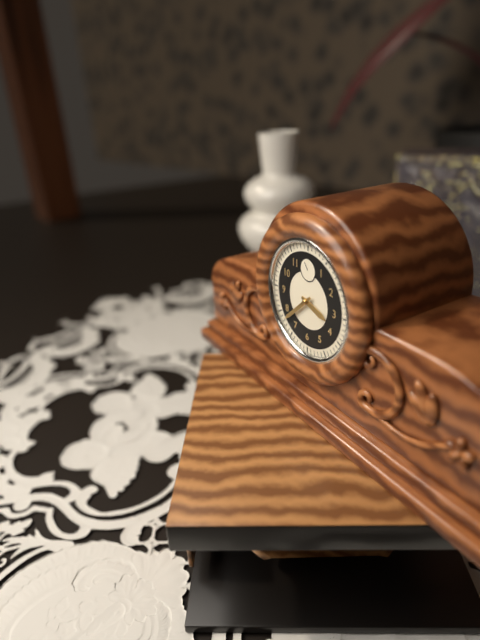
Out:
3,38
